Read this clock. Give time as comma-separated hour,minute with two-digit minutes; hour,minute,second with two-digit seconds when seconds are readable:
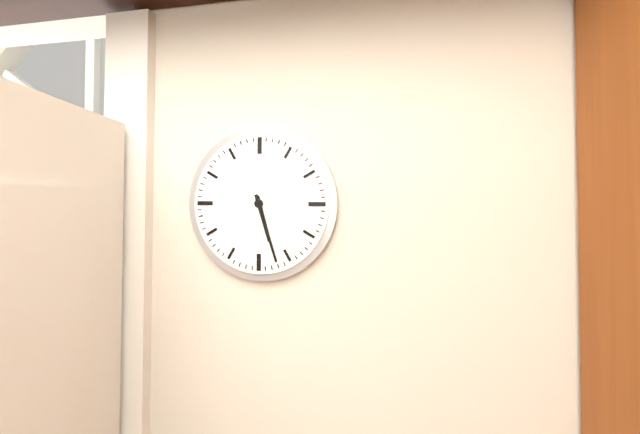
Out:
5,27
